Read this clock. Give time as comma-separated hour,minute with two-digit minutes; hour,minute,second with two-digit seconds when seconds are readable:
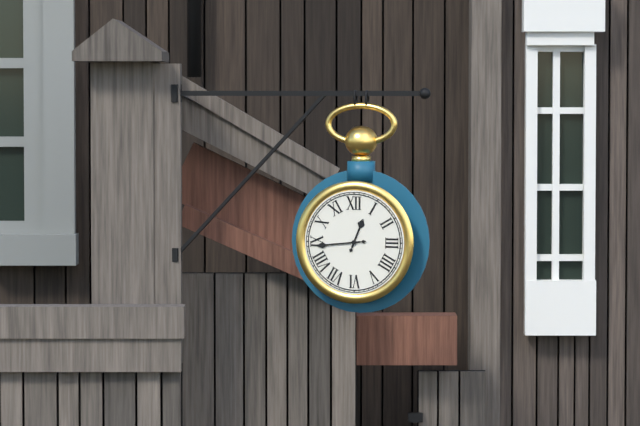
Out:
12,44
